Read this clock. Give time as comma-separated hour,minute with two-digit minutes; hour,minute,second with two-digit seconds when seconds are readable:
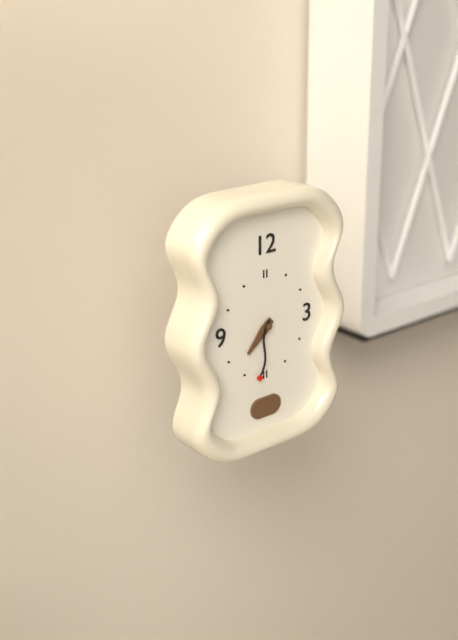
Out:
7,32
